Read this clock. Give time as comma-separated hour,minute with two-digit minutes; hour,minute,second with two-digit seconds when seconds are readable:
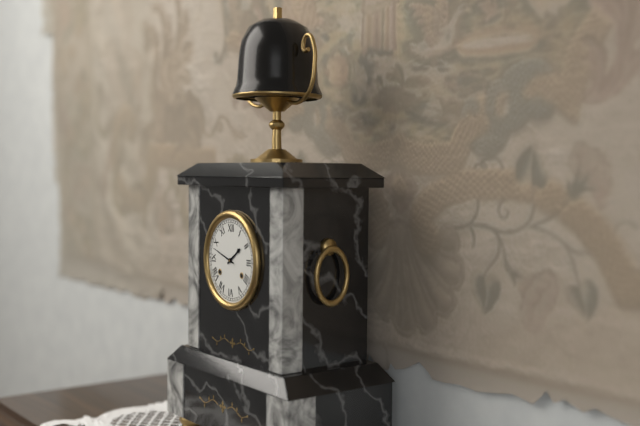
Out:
1,48
